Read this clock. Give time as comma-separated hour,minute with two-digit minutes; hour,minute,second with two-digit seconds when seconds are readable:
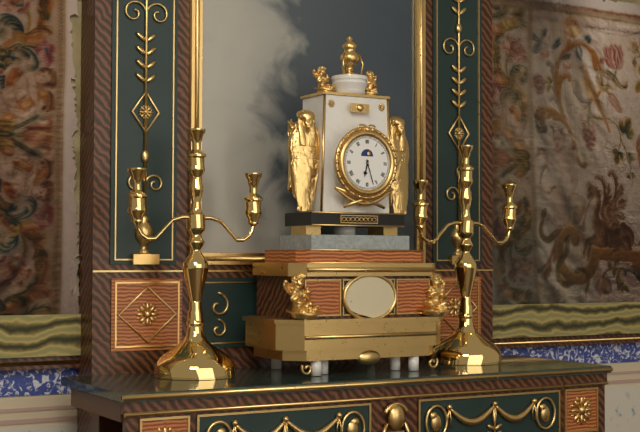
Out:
6,27
